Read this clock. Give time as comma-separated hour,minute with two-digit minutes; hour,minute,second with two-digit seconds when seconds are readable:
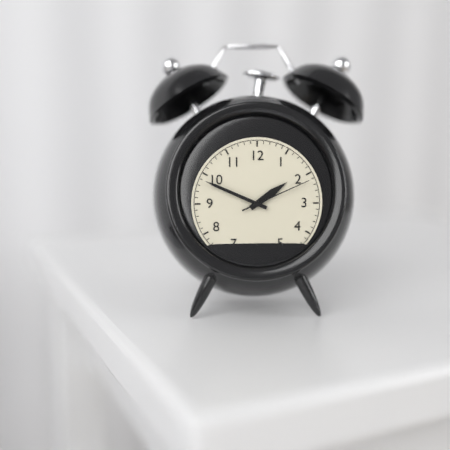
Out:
1,49,11
